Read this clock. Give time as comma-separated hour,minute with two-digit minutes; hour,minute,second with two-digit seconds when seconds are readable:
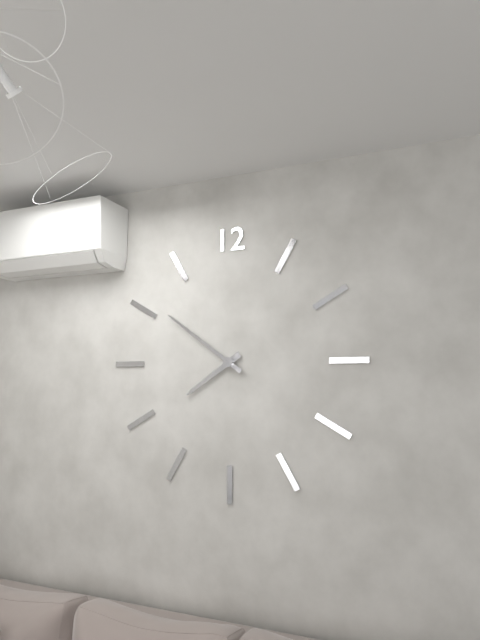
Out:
7,51
